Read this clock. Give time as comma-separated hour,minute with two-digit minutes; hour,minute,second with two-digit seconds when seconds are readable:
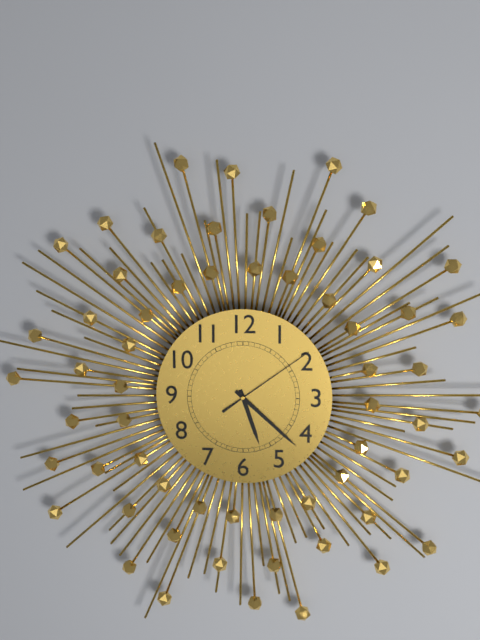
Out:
5,22,09
